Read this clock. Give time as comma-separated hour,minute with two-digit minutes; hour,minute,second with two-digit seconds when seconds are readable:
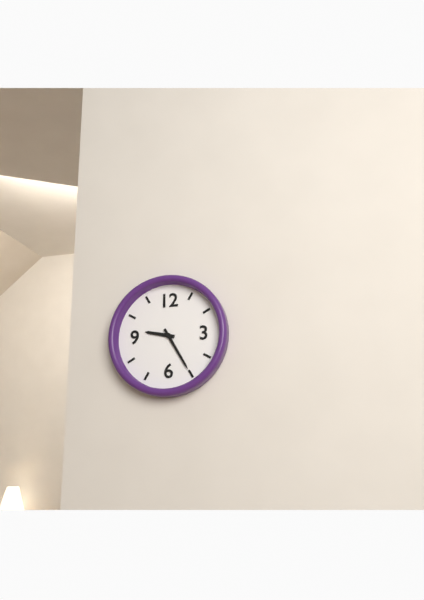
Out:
9,25
